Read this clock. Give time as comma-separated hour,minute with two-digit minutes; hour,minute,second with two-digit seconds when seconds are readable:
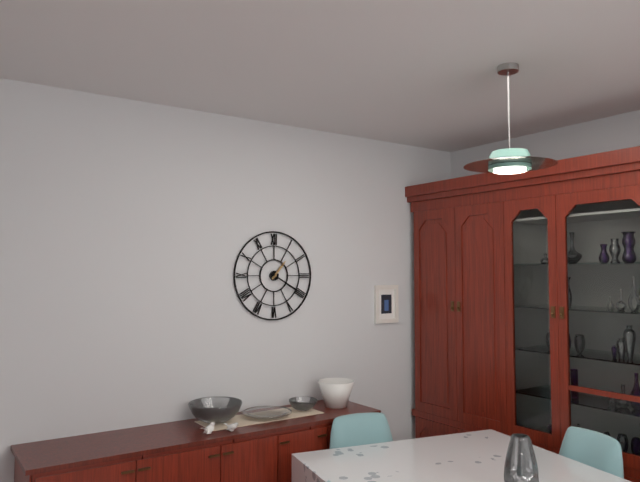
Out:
1,20
